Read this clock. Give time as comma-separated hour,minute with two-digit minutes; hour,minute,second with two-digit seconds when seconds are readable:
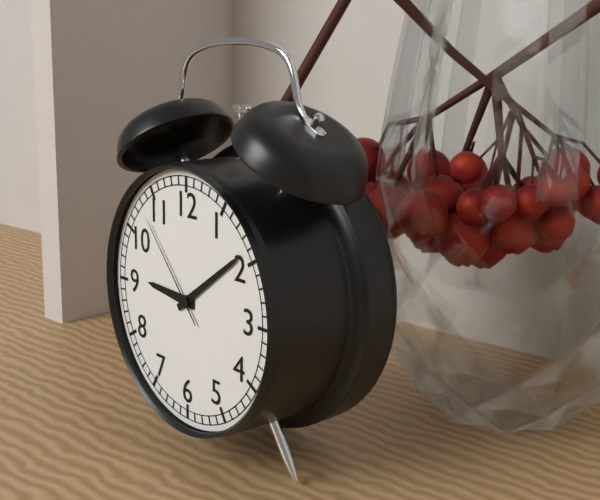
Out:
9,09,53
